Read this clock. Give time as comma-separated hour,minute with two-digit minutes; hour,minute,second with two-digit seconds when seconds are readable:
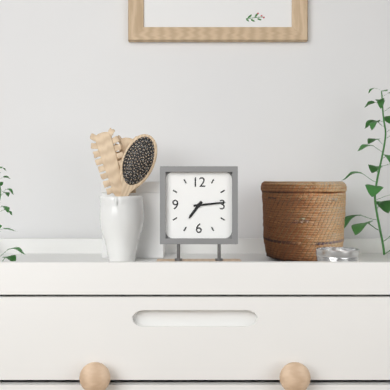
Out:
7,14
